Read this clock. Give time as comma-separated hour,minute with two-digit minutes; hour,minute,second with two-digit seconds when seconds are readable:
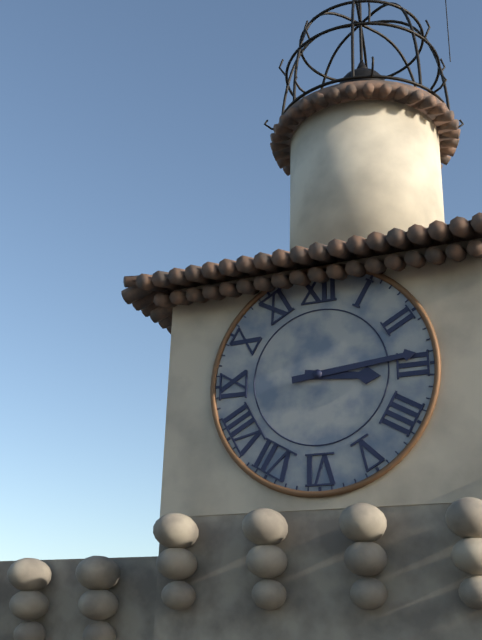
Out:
3,14
